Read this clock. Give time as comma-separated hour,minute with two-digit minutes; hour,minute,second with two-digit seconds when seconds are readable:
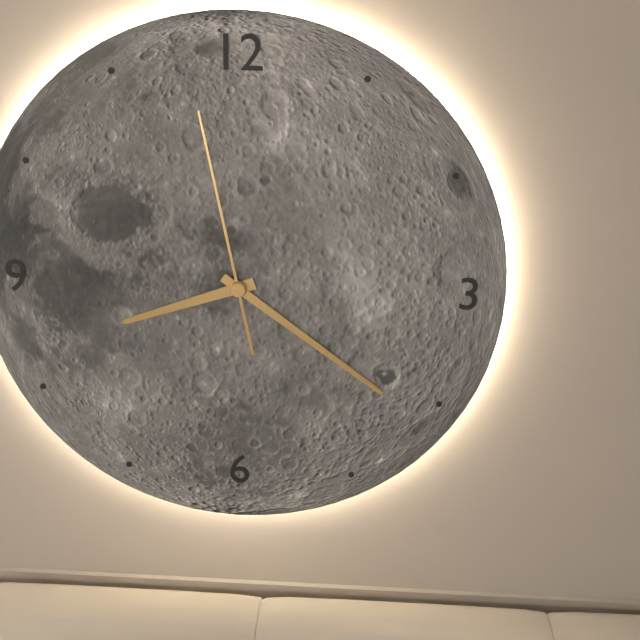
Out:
8,21,58
